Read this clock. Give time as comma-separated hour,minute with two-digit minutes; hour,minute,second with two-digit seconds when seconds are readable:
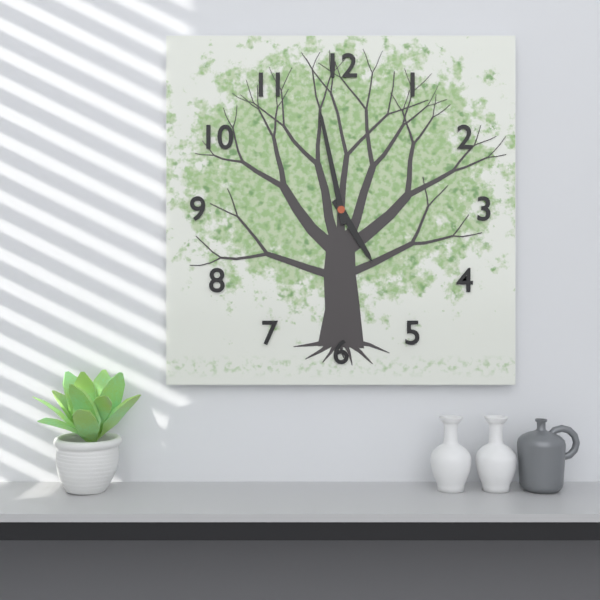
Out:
4,58
